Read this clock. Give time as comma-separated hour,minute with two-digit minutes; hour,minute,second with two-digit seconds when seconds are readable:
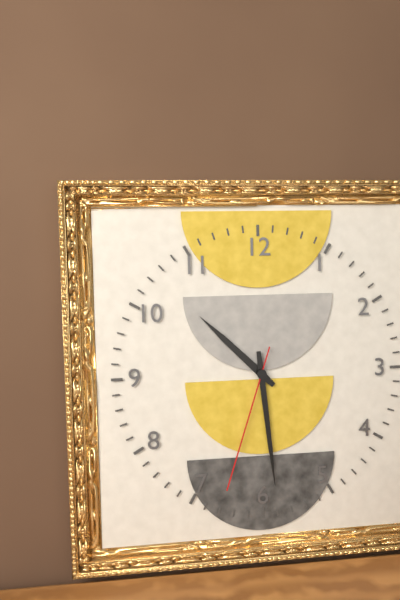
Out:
10,29,33
